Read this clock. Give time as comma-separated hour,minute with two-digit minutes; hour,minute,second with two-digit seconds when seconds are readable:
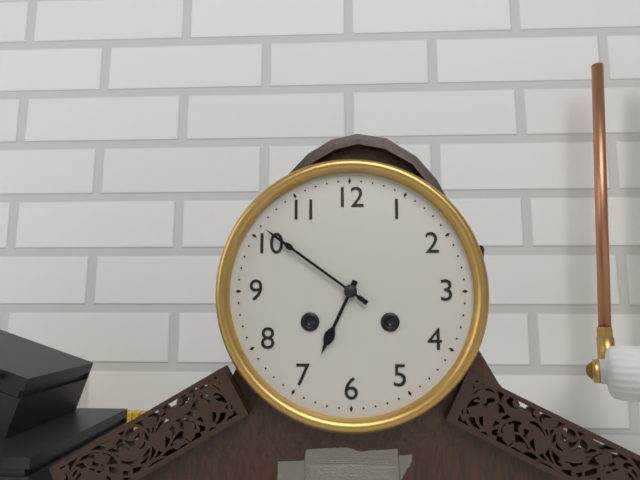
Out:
6,51
